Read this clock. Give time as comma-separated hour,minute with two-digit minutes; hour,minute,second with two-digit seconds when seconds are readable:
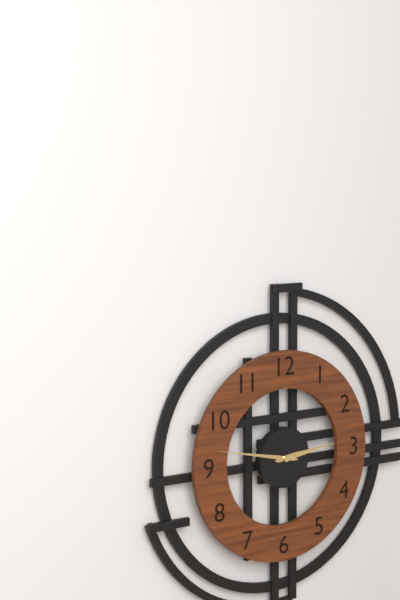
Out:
2,47
